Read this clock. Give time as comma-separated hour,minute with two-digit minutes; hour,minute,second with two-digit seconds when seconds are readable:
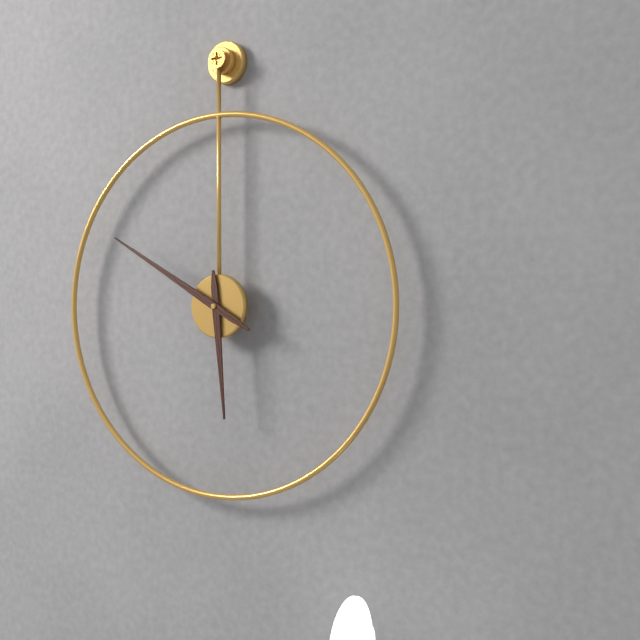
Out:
5,50
